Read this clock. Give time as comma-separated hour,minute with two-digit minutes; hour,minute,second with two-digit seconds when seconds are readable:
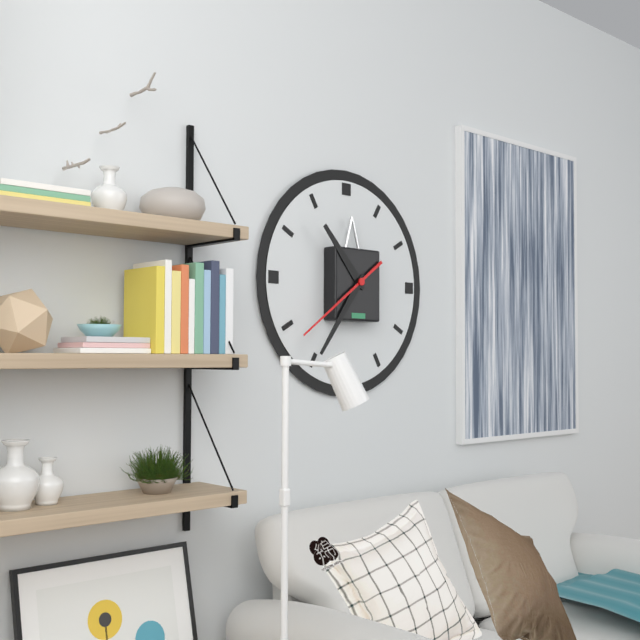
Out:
10,36,39
